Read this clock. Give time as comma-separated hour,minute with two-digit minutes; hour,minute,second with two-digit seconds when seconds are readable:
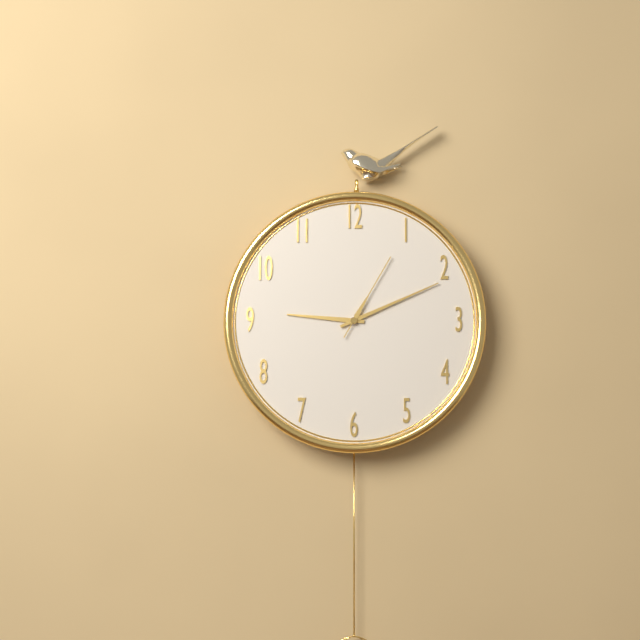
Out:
9,11,05
